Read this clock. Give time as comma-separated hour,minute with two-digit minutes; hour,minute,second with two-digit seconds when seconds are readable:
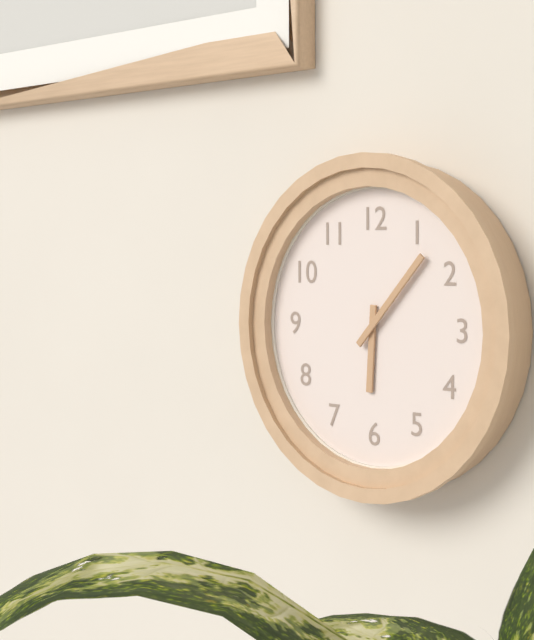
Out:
6,07
